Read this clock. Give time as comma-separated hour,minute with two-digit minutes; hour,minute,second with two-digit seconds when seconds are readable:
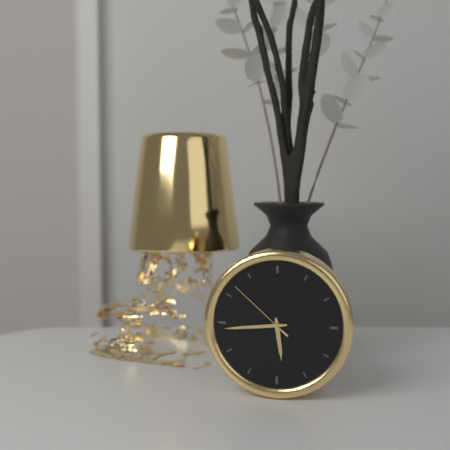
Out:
5,44,52
